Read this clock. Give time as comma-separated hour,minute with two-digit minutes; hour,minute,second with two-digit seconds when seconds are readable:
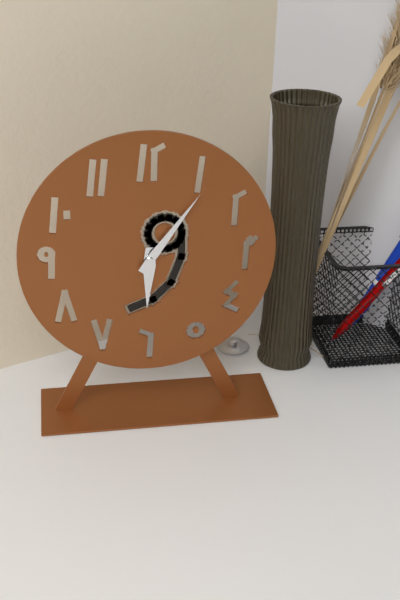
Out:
6,06
